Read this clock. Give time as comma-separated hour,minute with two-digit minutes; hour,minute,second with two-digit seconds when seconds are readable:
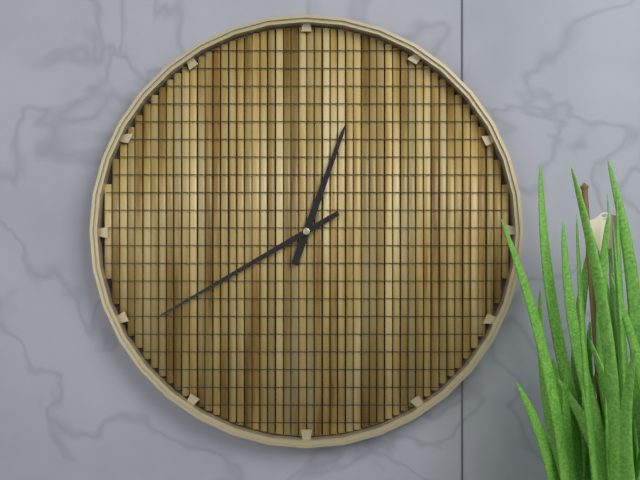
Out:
12,40
